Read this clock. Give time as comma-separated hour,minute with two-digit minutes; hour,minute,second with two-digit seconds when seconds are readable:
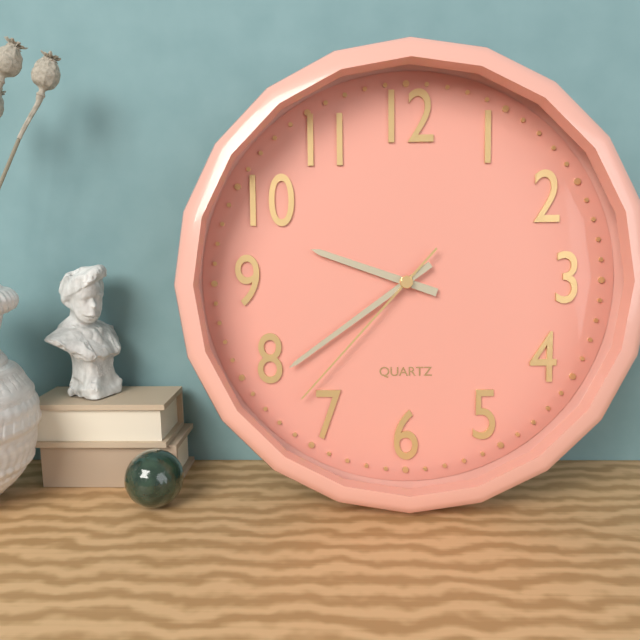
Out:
9,39,37
